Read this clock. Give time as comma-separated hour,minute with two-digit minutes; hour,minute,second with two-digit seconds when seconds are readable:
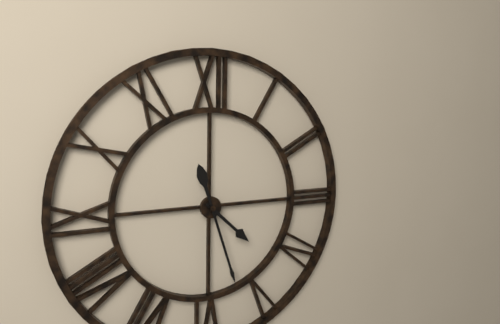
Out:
4,27
